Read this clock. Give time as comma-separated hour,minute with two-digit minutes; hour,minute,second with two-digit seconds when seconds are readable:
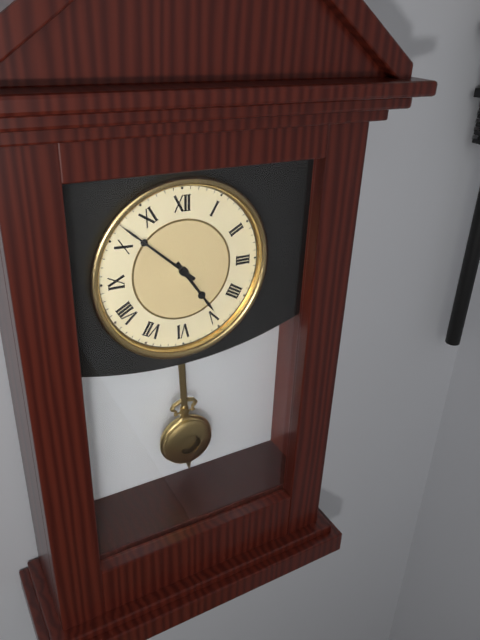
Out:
4,52
